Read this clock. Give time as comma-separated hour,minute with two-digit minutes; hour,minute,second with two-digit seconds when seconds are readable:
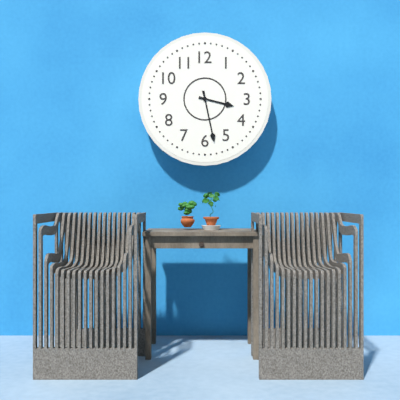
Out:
3,28
